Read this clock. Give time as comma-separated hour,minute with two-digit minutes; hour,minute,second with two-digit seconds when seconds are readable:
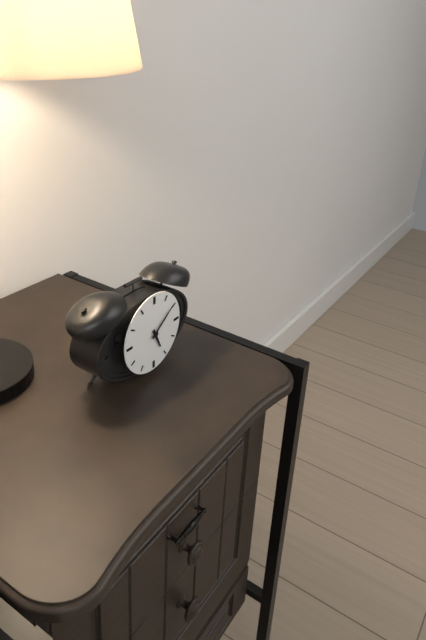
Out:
5,09
